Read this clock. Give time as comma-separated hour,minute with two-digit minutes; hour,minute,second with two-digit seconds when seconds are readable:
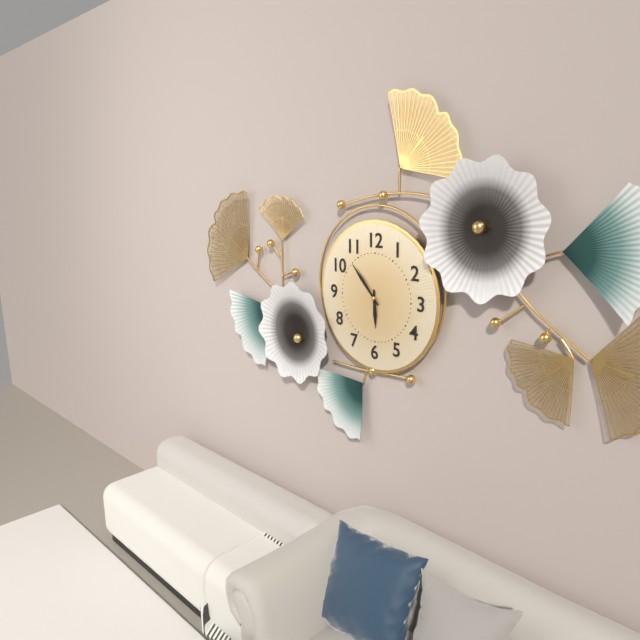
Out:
5,53
